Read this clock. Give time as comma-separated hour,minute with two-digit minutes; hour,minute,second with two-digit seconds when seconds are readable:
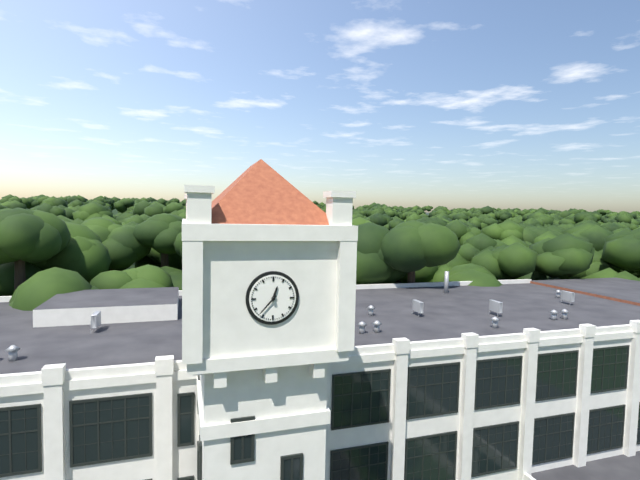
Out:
12,37
